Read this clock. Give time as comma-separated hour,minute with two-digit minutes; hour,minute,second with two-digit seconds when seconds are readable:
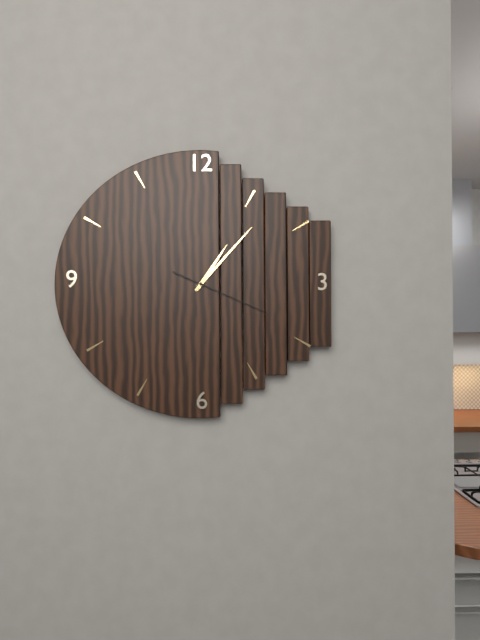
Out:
1,07,19
